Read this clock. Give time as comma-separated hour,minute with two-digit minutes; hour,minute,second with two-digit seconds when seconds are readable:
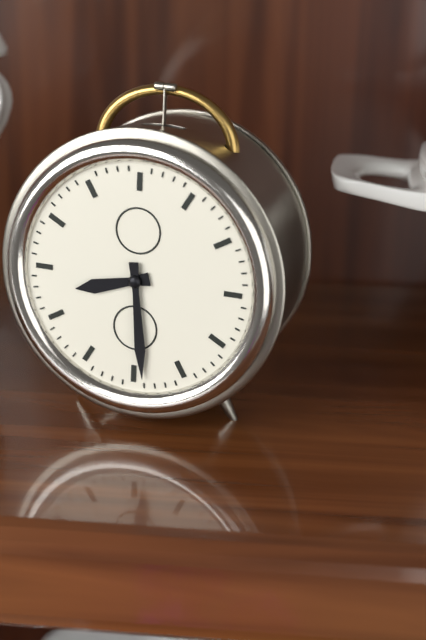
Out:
8,29
